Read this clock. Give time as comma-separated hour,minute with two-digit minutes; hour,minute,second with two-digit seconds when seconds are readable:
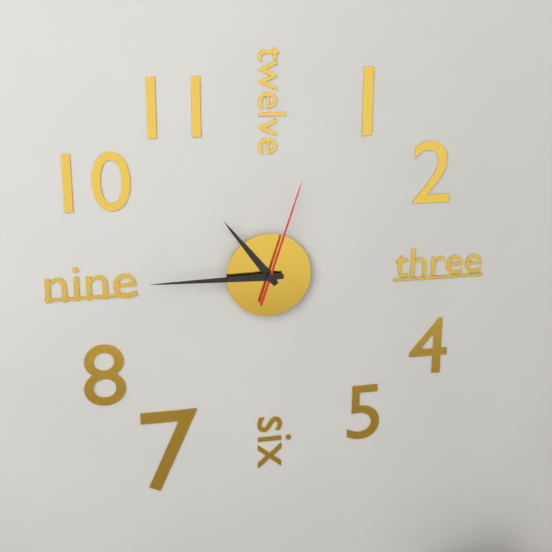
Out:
10,45,03
